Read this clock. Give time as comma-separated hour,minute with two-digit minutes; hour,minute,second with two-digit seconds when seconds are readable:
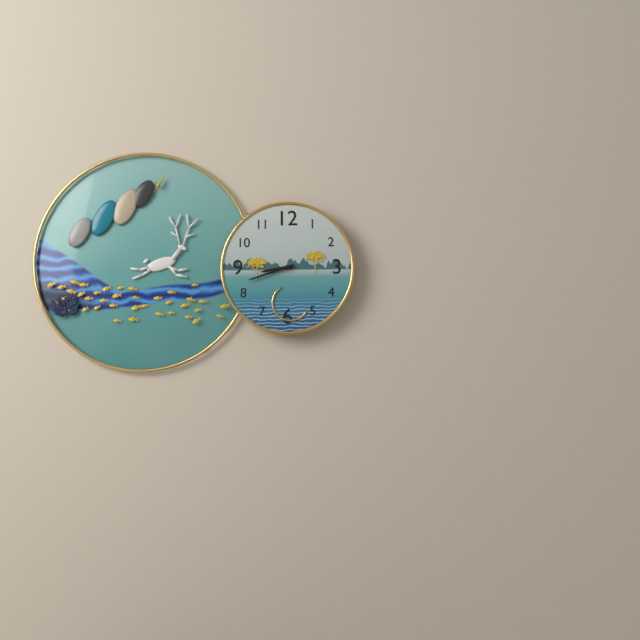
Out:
8,42
